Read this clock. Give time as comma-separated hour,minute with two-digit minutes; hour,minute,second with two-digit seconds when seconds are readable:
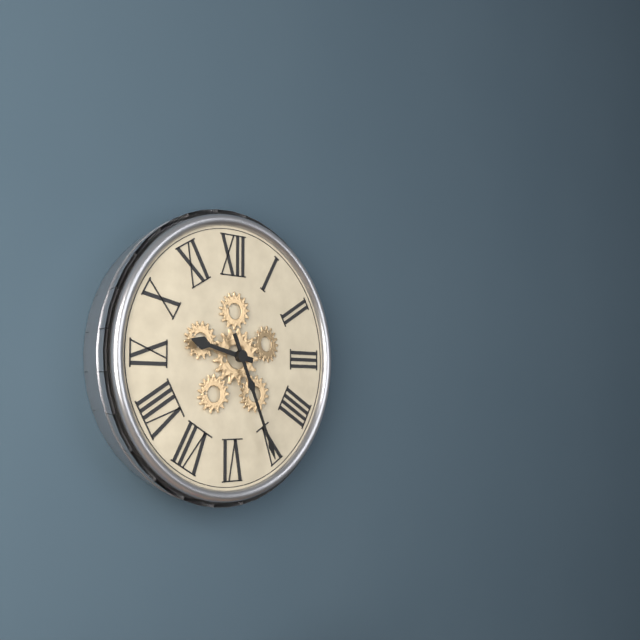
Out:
9,26
